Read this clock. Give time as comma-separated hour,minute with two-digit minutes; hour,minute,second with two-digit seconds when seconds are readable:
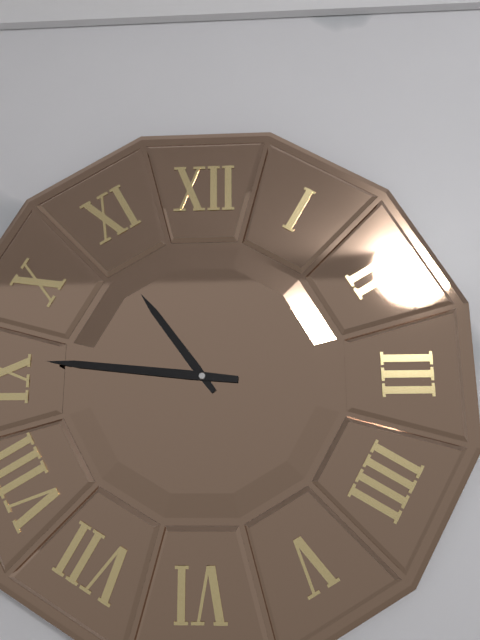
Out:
10,46
